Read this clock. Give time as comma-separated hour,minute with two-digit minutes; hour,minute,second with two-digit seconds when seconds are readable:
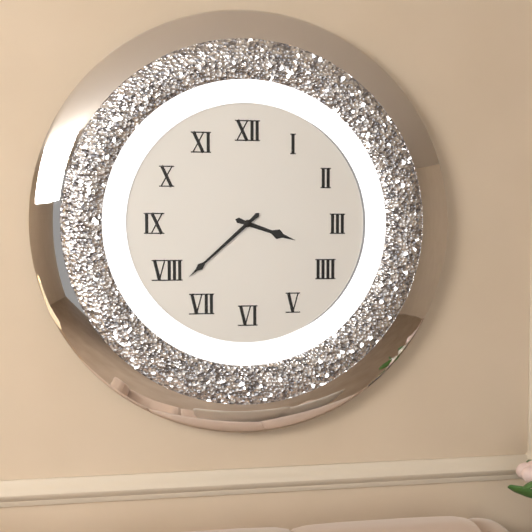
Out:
3,38
